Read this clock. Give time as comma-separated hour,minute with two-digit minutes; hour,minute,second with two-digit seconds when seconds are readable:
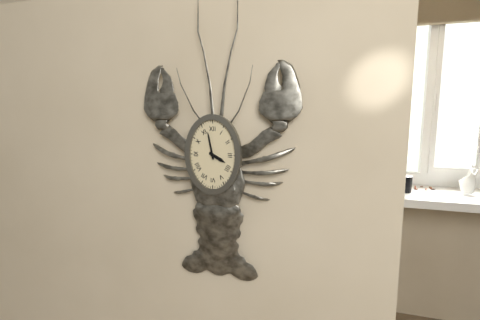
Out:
3,58
